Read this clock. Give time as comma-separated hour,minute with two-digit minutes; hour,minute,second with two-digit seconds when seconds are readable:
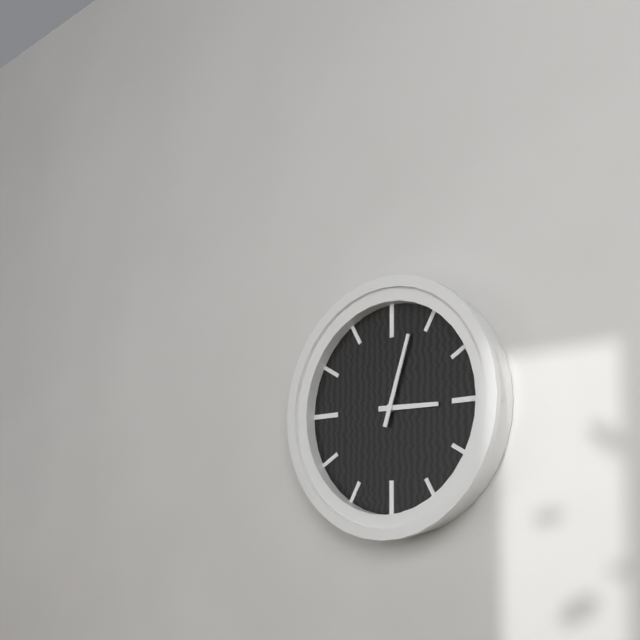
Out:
3,03
